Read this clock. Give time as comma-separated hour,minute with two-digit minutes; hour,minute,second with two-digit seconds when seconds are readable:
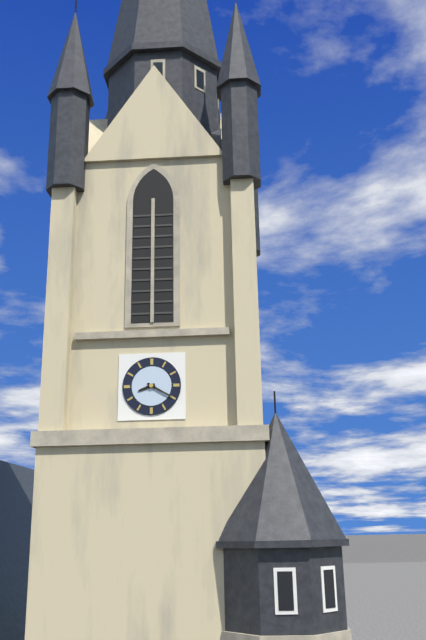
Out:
8,20
